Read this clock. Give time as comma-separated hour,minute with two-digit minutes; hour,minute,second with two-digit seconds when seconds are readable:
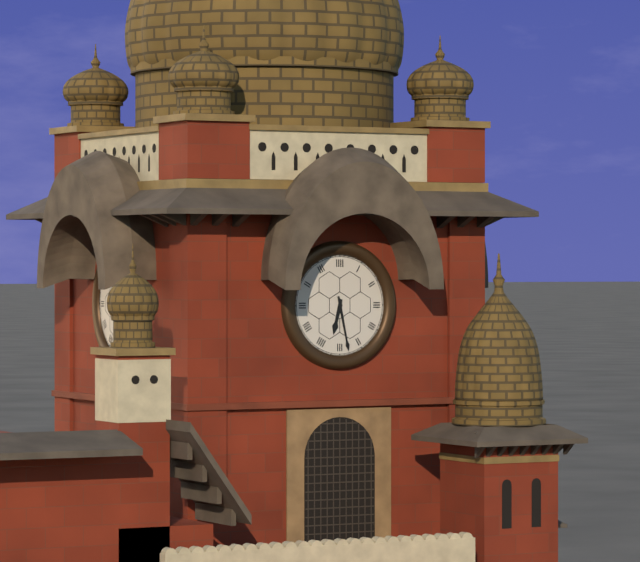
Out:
6,28
